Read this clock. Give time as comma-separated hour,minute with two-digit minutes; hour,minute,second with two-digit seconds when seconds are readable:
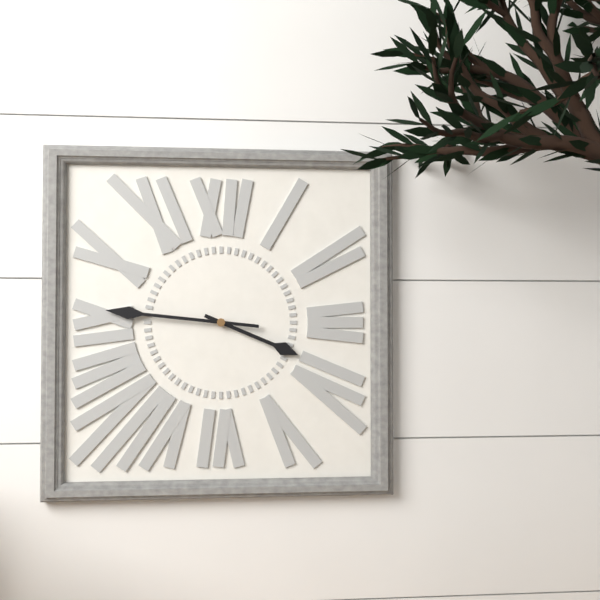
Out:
3,46
